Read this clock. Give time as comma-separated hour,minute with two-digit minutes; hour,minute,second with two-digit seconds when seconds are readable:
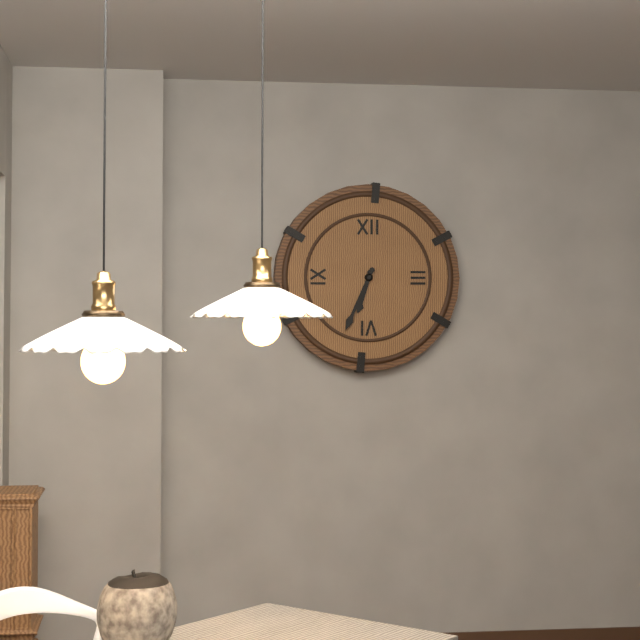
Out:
6,34
